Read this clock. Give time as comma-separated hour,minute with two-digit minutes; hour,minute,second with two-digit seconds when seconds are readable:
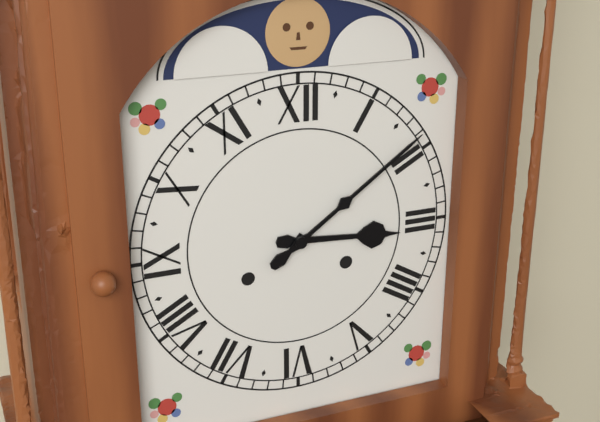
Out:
3,09
